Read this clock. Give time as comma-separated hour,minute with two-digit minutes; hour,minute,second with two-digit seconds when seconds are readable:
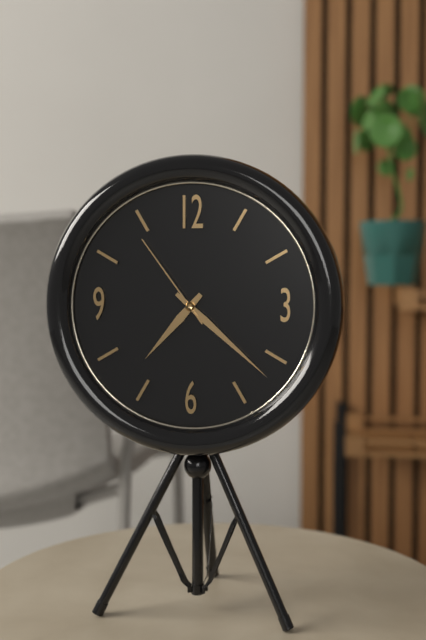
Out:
7,22,54
